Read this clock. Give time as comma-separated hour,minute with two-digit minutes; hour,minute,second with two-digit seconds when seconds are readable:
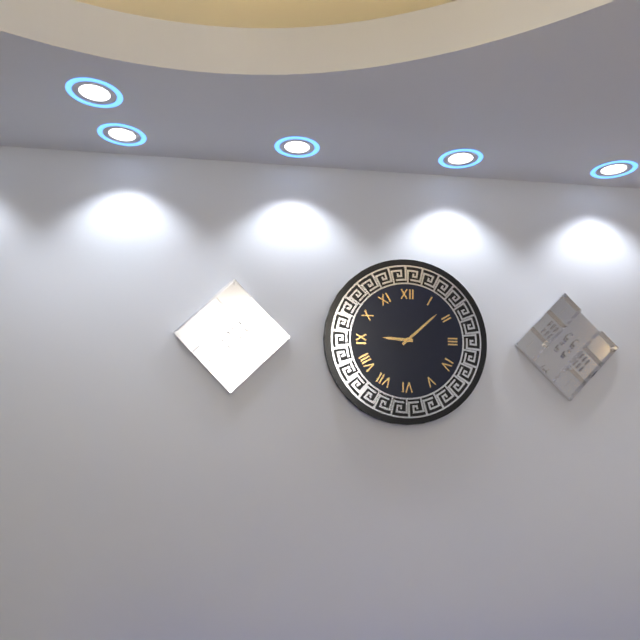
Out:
9,08
